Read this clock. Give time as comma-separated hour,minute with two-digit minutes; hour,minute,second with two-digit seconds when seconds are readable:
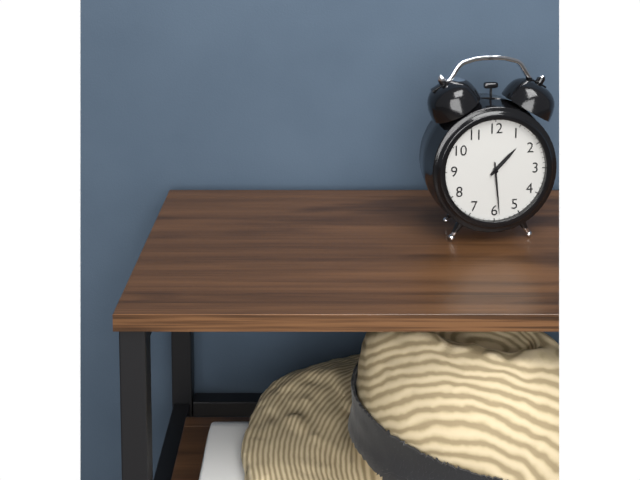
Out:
1,29
